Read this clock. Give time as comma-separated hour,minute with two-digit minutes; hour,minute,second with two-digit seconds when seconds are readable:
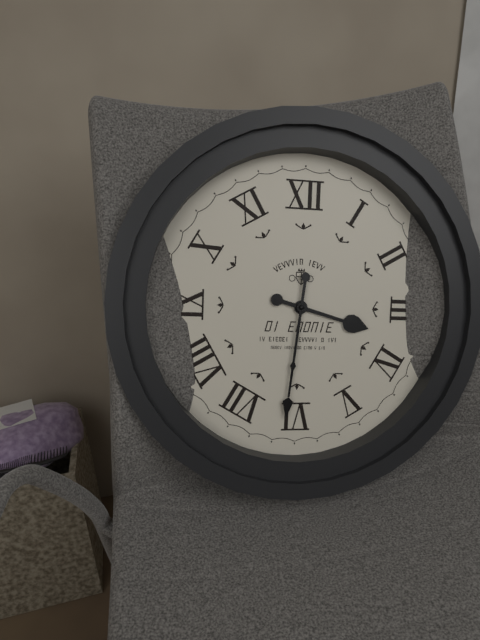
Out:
3,31
